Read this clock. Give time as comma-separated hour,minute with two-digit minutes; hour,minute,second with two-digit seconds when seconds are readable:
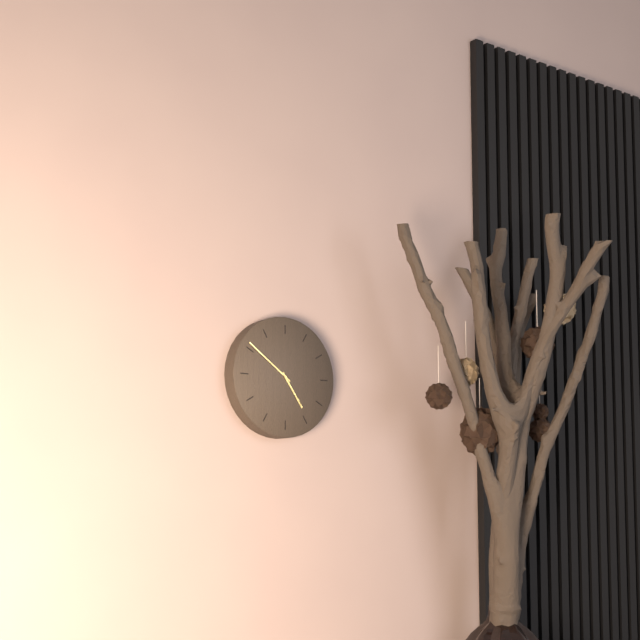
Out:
4,51
